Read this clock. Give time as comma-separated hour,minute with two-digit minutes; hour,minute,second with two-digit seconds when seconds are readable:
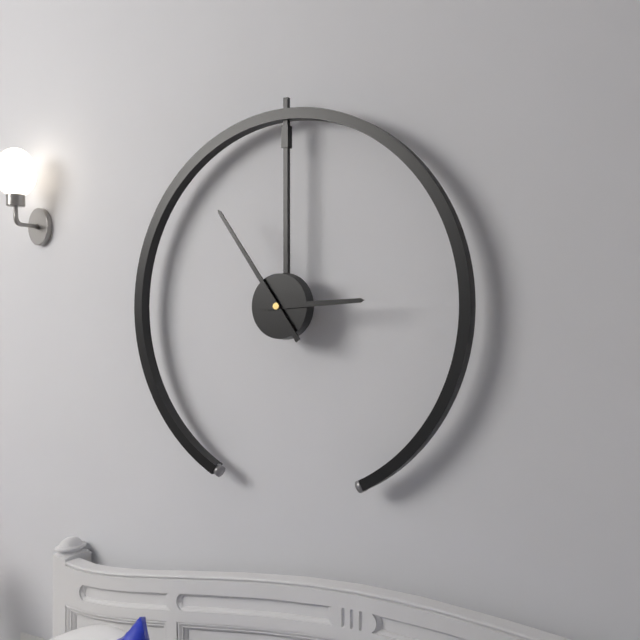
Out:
2,54
